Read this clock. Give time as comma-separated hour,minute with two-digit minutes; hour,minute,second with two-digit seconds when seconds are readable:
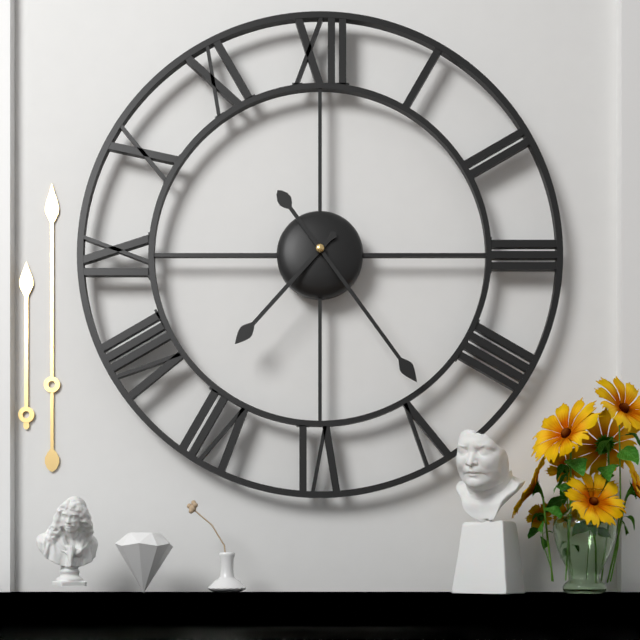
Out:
7,24
